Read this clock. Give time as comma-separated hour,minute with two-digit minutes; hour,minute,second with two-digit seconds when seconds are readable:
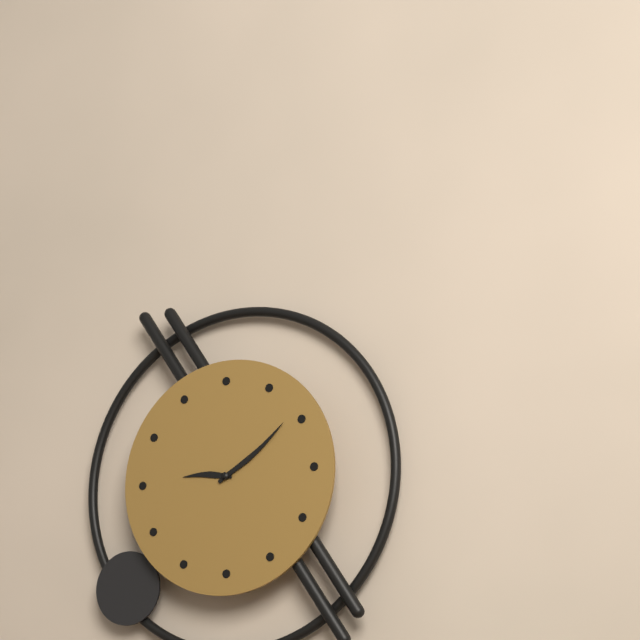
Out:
9,09
